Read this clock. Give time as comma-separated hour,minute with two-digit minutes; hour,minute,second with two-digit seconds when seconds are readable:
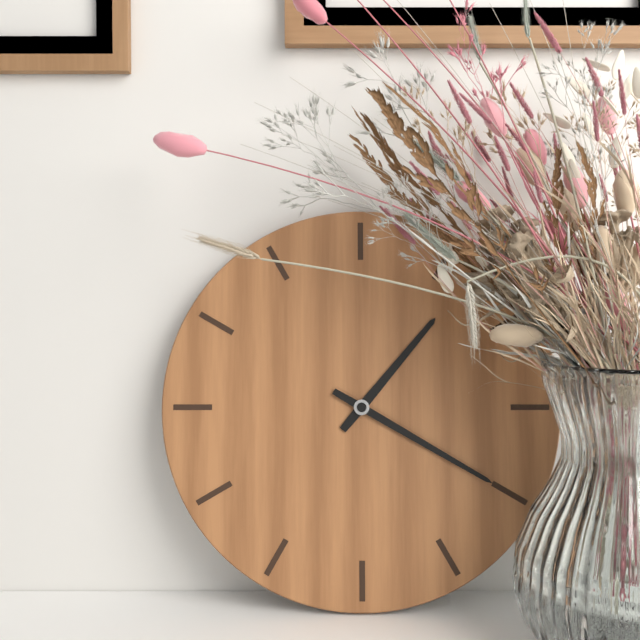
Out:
1,20
